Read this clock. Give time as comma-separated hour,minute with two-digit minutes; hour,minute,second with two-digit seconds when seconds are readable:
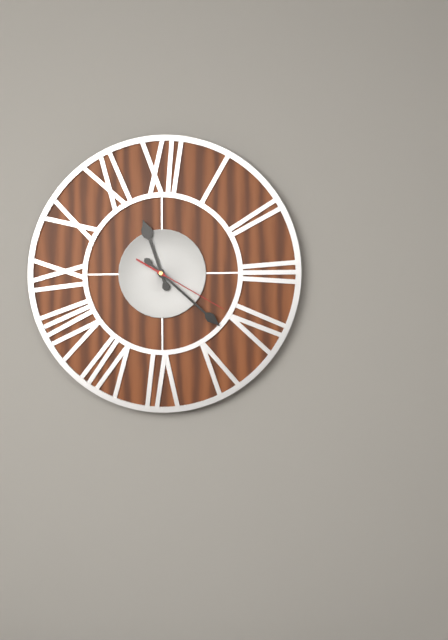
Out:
11,22,20
